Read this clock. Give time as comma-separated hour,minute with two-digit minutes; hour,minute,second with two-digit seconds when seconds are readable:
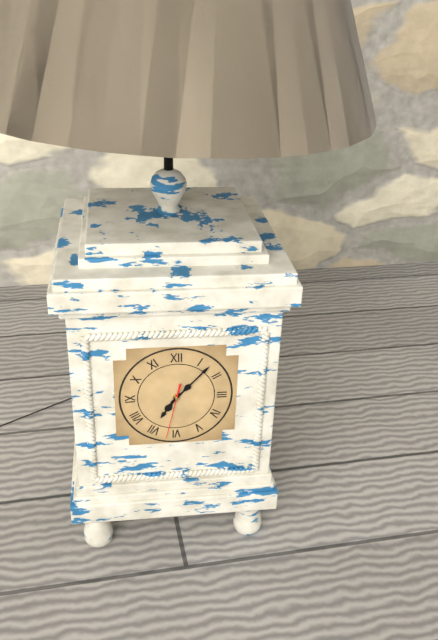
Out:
7,07,32
